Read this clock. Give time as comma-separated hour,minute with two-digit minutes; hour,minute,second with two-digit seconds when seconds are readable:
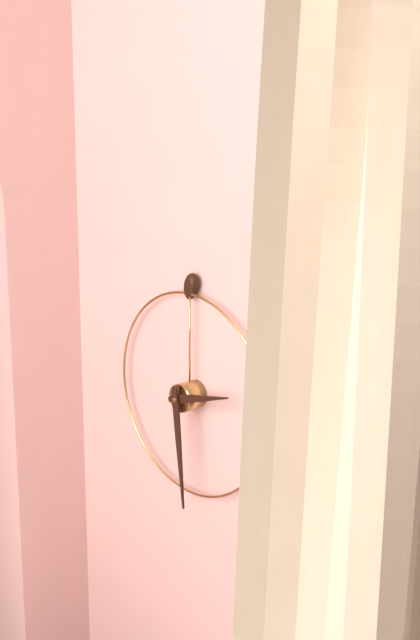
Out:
2,29
